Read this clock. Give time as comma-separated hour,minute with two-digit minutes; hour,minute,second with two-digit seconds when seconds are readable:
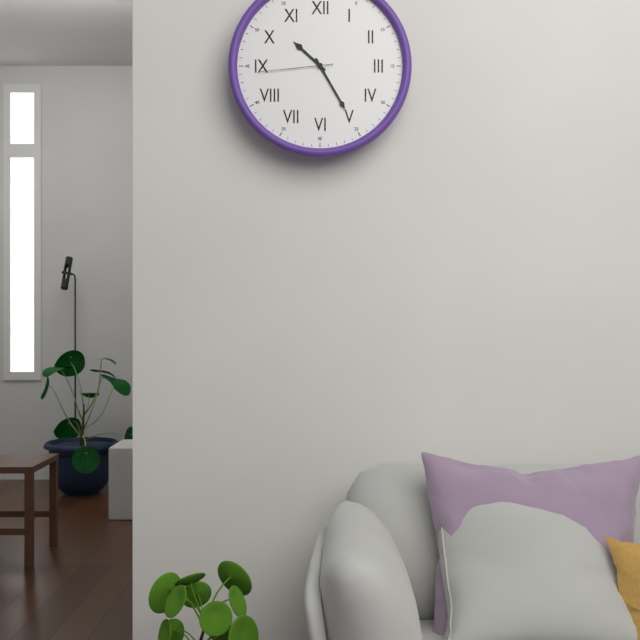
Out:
10,25,44
